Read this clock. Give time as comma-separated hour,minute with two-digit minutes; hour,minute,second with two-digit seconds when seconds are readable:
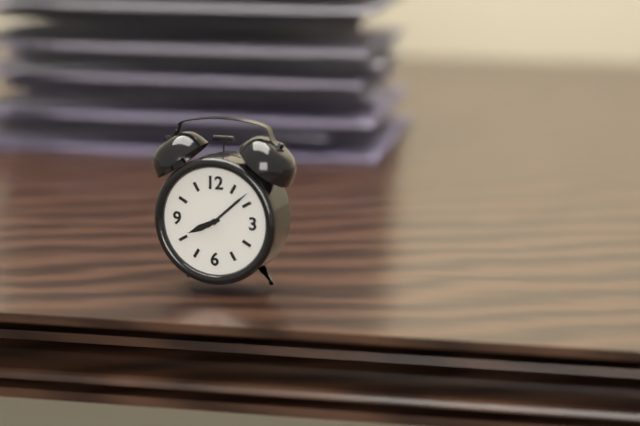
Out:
8,08
